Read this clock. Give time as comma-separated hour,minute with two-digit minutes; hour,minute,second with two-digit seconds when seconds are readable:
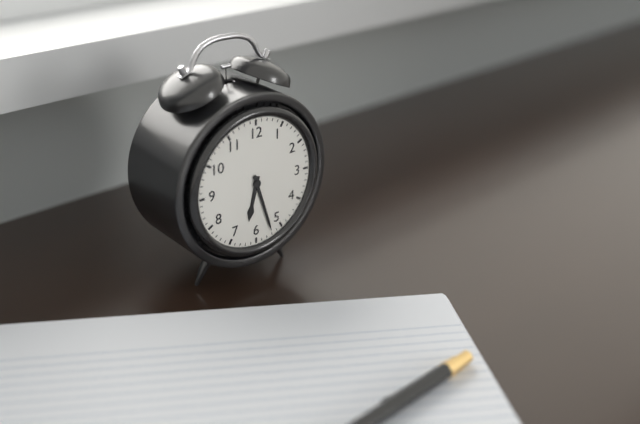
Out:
6,27
